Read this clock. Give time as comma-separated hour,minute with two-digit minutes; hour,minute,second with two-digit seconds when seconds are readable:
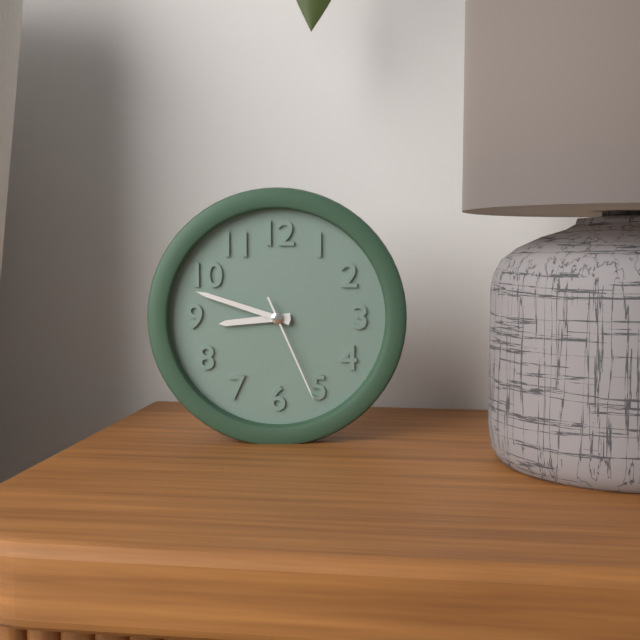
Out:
8,48,26
